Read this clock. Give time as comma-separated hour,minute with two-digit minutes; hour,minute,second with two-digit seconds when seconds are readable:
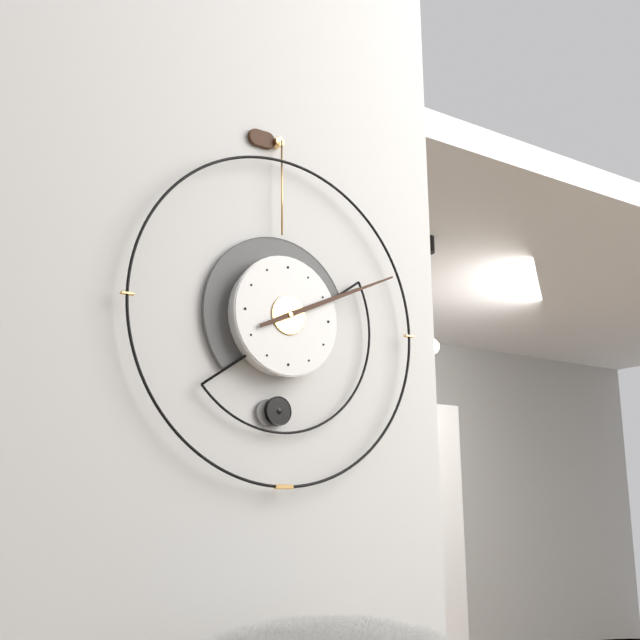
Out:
2,11
